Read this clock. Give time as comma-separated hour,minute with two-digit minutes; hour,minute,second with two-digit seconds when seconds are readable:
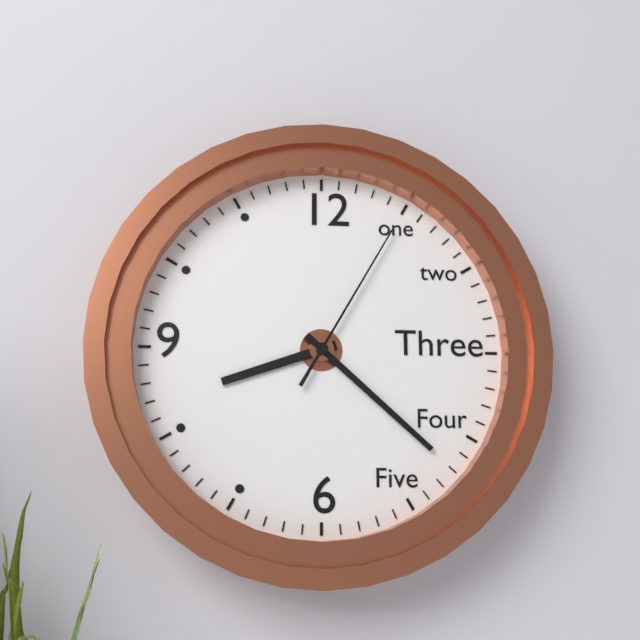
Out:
8,22,05
